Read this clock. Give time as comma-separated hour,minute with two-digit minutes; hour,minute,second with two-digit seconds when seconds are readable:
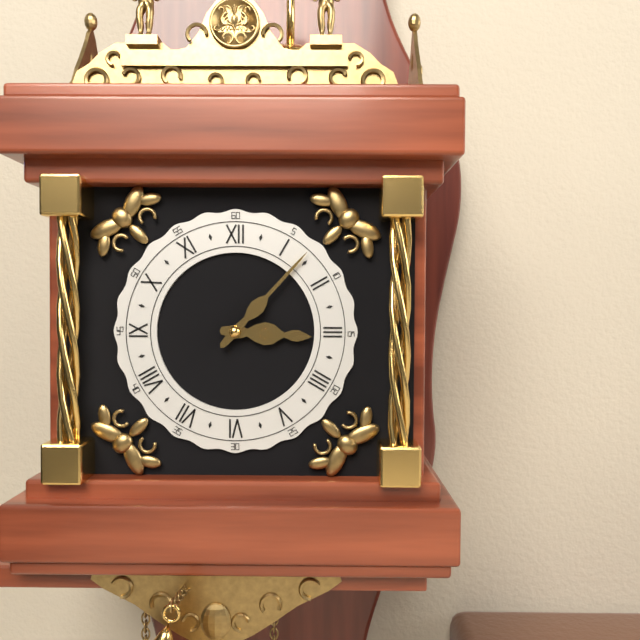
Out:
3,07
